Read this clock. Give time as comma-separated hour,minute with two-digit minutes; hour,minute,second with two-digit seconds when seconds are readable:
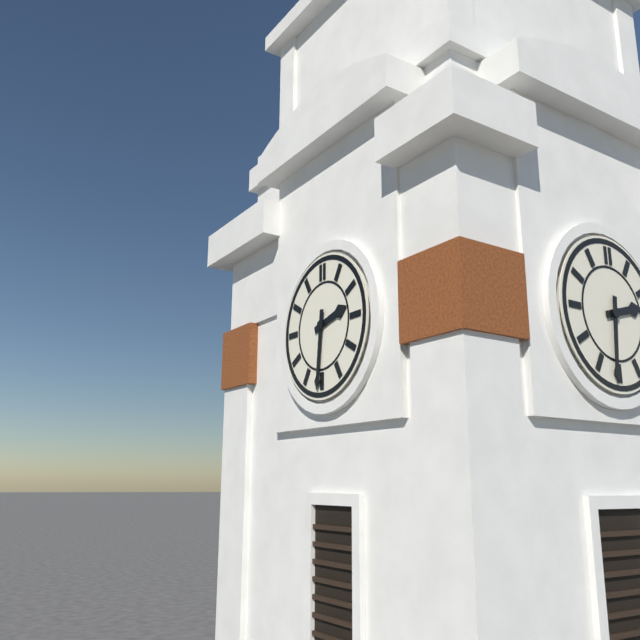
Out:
2,31
